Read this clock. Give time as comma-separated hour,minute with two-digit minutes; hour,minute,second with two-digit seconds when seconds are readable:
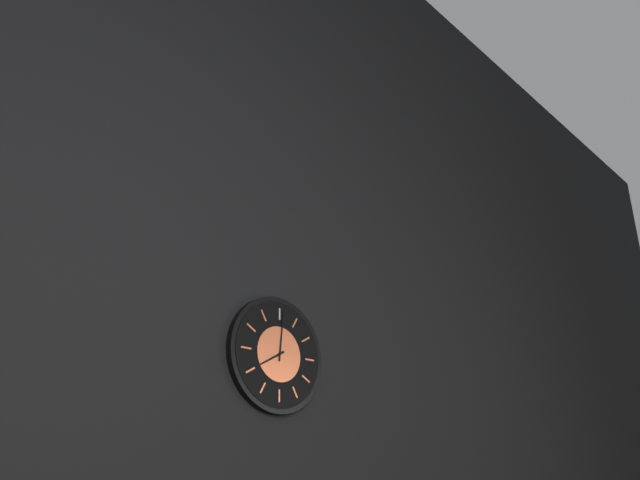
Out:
8,01
